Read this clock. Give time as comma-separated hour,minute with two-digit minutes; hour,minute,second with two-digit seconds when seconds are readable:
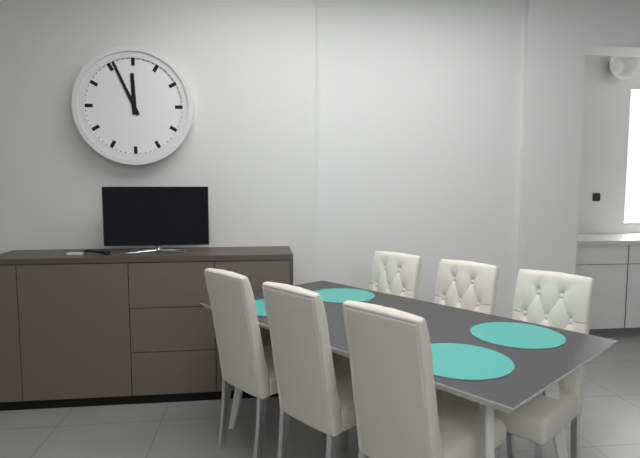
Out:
11,56
